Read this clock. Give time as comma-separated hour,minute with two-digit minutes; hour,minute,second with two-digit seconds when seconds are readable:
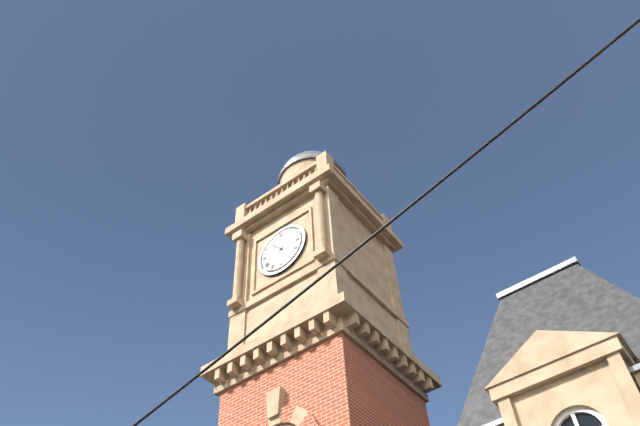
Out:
10,39
